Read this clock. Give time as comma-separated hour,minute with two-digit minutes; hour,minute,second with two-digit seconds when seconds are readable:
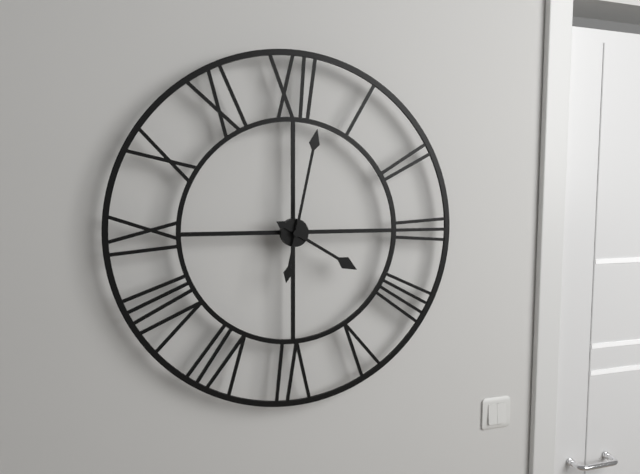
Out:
4,02
